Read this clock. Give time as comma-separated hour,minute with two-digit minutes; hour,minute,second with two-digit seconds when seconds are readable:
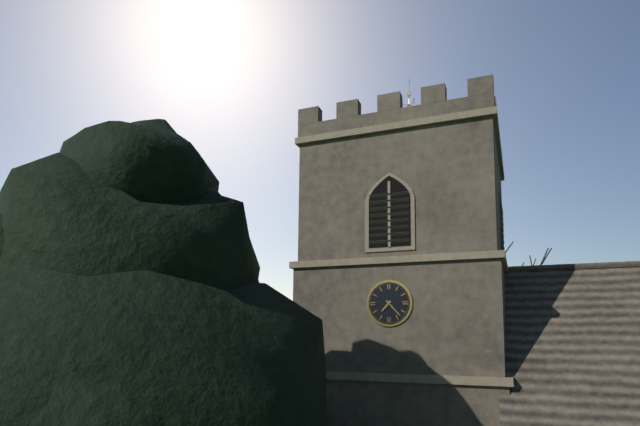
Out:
7,23
